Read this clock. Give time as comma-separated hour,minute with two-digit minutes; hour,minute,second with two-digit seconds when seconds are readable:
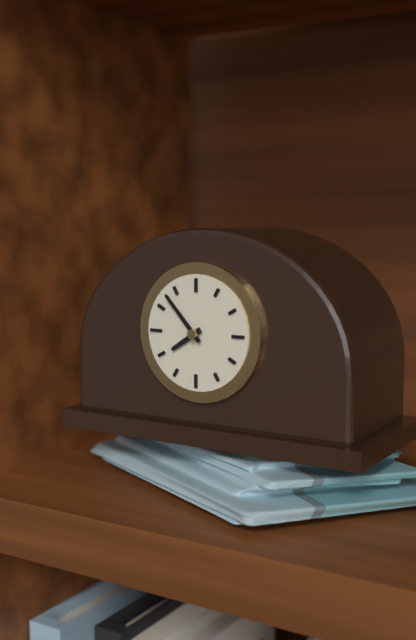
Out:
7,53
